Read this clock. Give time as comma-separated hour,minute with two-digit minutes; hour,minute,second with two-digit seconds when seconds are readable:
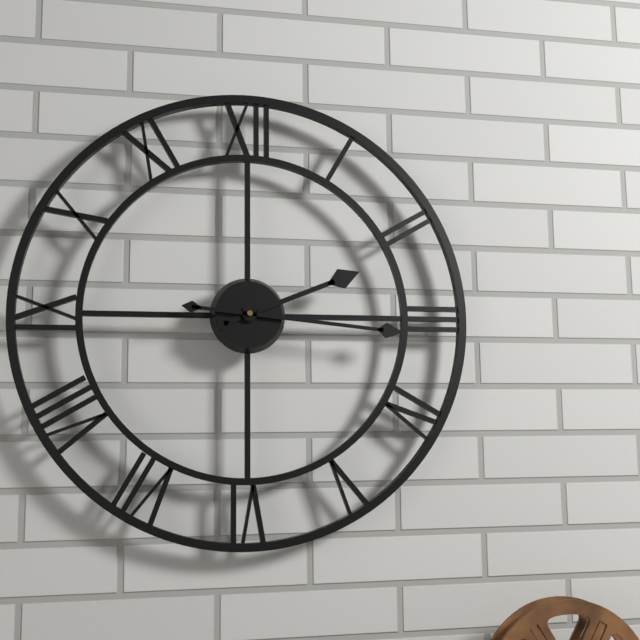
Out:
2,16
